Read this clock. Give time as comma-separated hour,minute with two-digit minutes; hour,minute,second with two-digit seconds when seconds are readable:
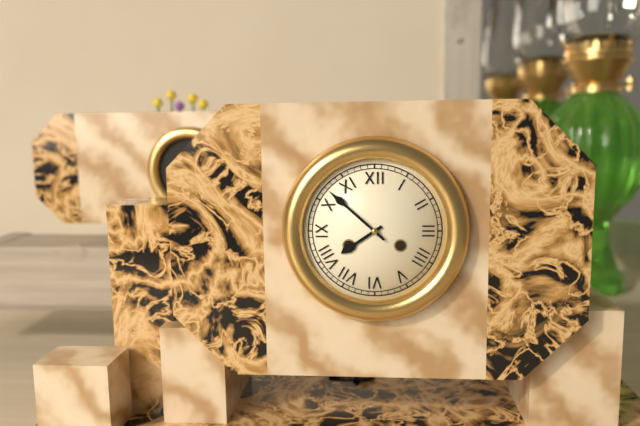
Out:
7,52
